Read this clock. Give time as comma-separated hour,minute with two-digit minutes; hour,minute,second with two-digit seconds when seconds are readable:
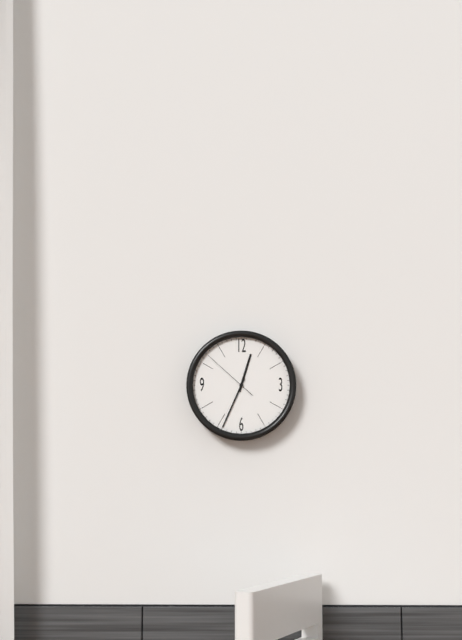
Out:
12,34,52
